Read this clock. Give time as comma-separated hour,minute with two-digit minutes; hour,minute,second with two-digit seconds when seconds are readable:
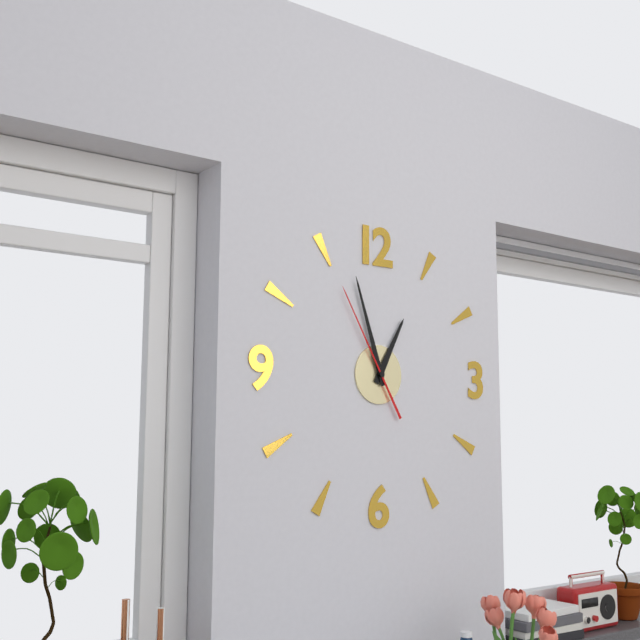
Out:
12,57,55
